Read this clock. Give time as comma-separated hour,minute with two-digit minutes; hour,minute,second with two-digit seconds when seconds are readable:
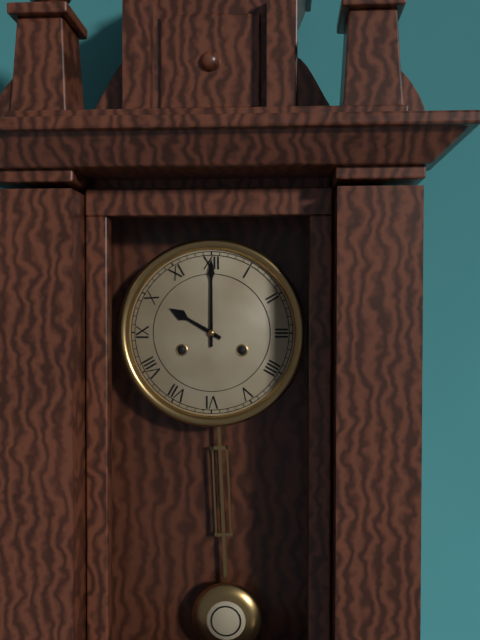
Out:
10,00
